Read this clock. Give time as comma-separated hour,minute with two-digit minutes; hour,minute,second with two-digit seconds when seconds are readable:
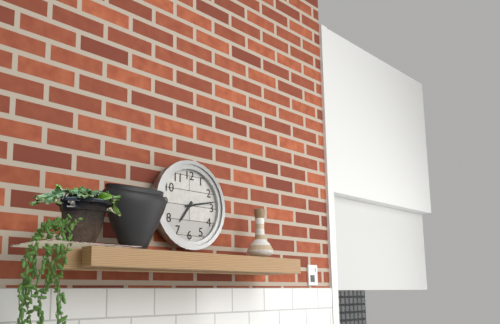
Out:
7,13
